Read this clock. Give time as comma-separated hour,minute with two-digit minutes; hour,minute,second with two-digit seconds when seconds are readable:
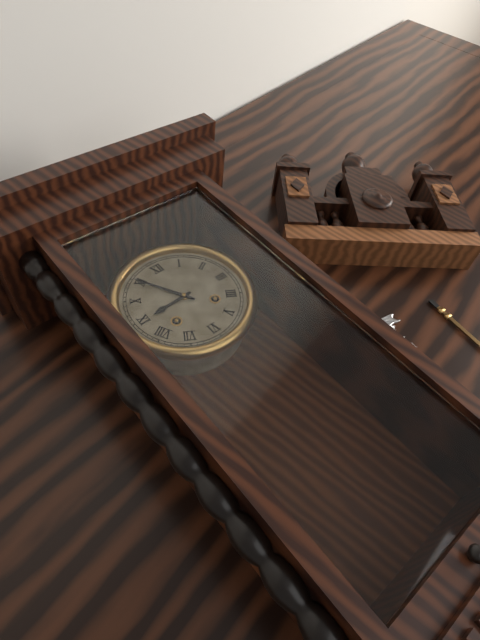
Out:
8,55
